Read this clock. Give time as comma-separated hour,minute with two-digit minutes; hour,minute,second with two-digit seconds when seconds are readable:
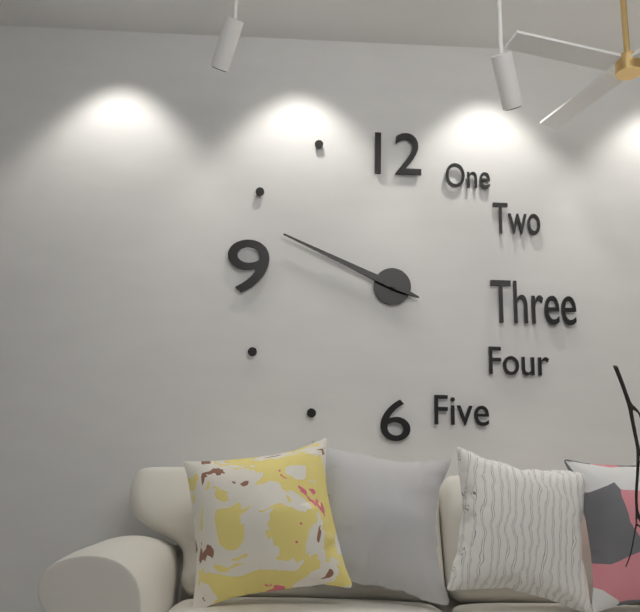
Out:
9,49
